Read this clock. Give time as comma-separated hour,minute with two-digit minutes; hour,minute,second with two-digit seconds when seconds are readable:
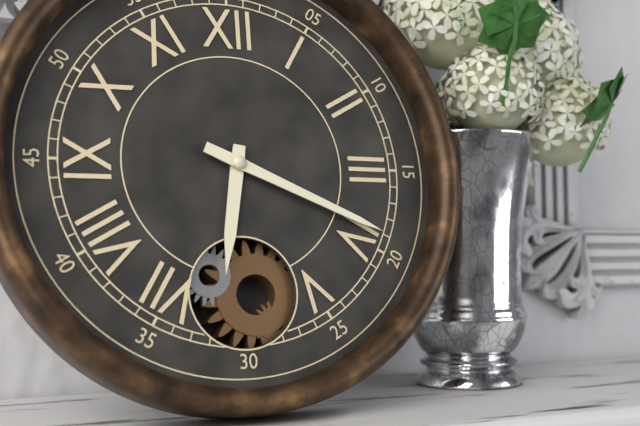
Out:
6,19
